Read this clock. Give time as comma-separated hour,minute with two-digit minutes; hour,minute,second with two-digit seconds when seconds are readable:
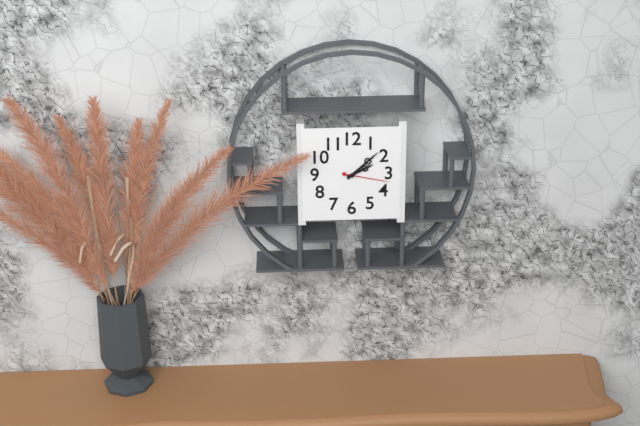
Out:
2,08
